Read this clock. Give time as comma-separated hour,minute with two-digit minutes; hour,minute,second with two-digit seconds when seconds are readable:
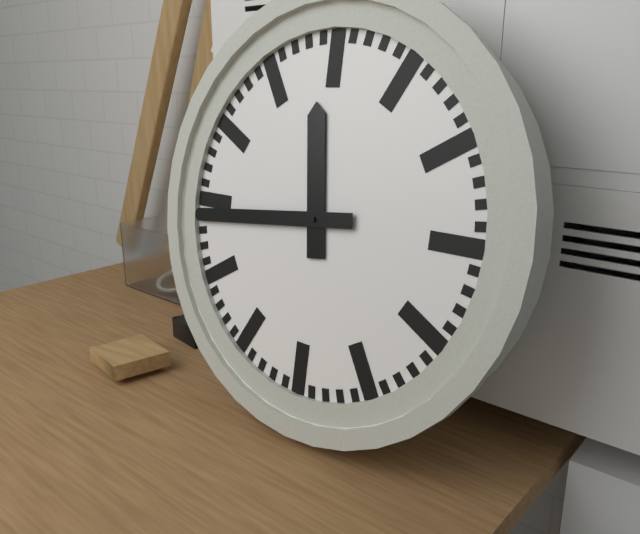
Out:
11,44
